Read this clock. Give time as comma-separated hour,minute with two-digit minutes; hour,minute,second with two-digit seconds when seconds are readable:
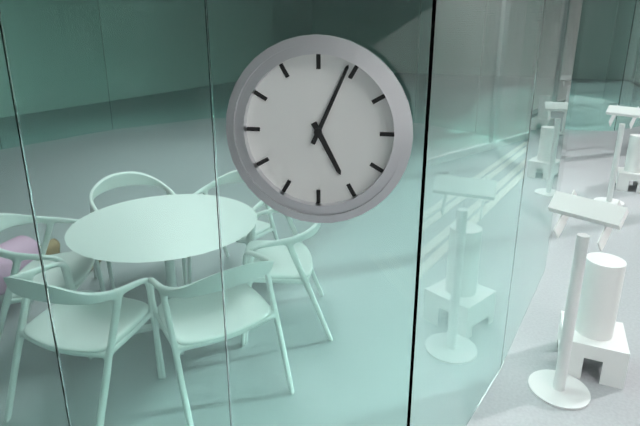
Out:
5,04
